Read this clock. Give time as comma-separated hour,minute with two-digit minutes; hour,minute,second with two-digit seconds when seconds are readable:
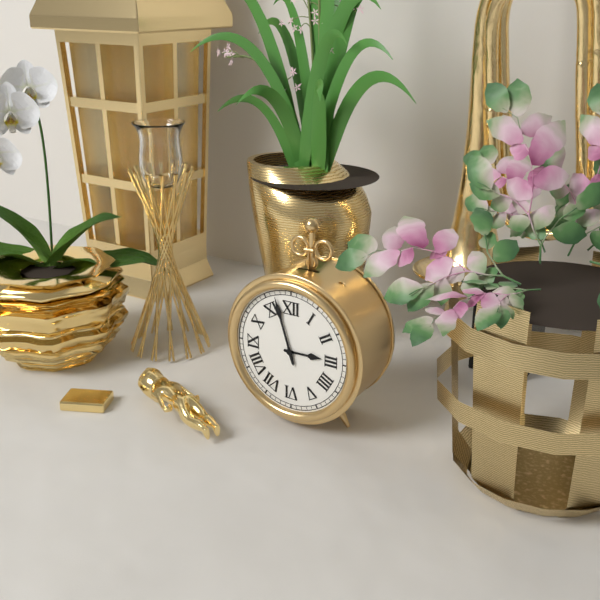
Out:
2,57
